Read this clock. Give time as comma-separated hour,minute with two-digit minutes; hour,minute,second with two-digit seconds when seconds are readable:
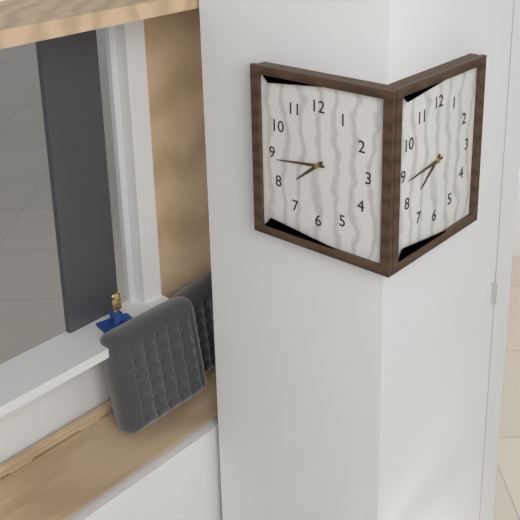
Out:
7,44
